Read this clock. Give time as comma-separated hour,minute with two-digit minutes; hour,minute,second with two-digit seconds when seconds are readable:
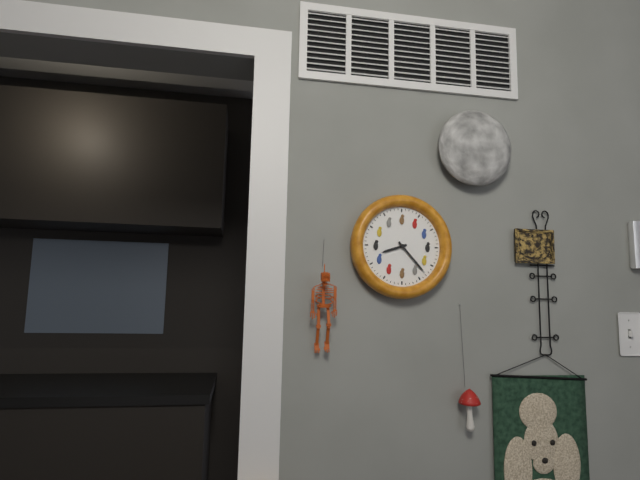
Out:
8,23
